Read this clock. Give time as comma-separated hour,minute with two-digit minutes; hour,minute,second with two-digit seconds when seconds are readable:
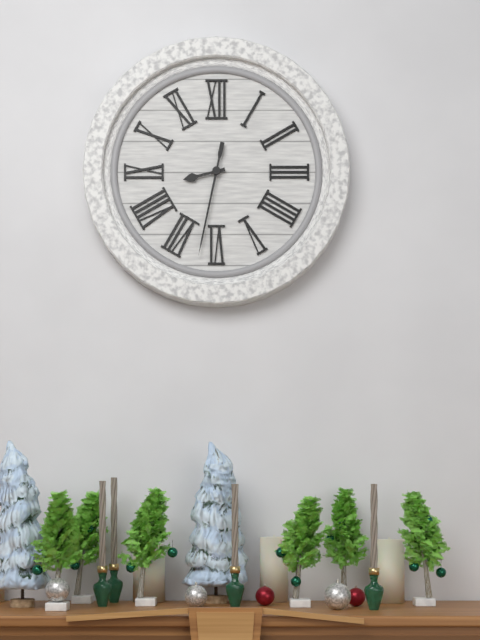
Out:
8,32
